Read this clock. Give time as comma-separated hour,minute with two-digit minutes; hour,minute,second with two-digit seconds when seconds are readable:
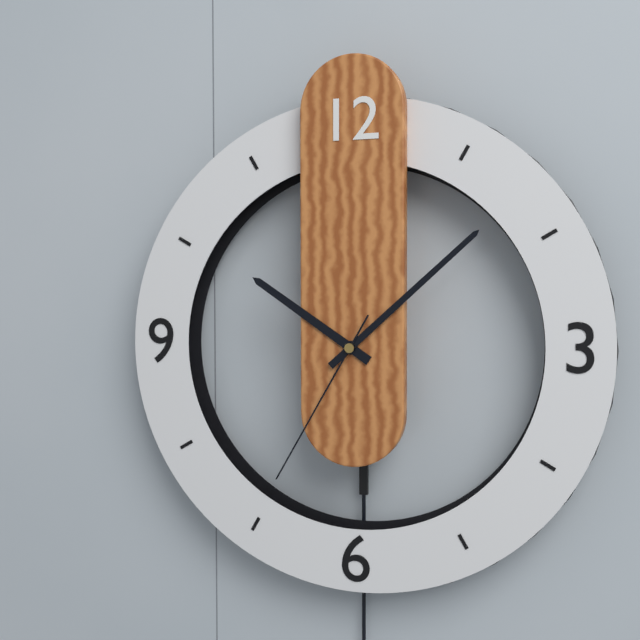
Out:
10,08,35
